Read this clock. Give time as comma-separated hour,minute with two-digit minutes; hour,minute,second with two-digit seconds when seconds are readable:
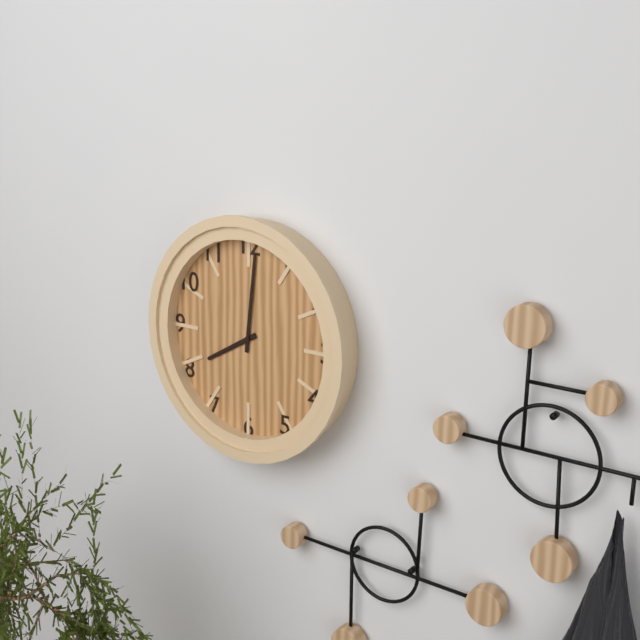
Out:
8,01
